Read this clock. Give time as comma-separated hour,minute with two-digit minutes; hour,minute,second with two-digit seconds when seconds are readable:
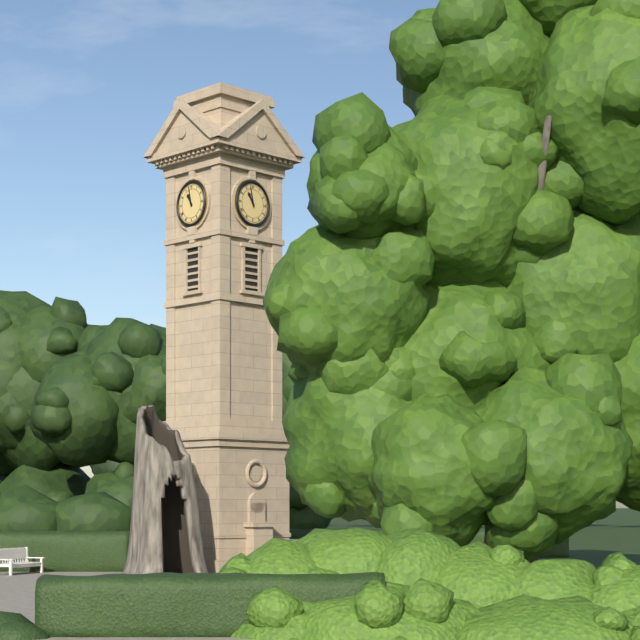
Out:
10,58
